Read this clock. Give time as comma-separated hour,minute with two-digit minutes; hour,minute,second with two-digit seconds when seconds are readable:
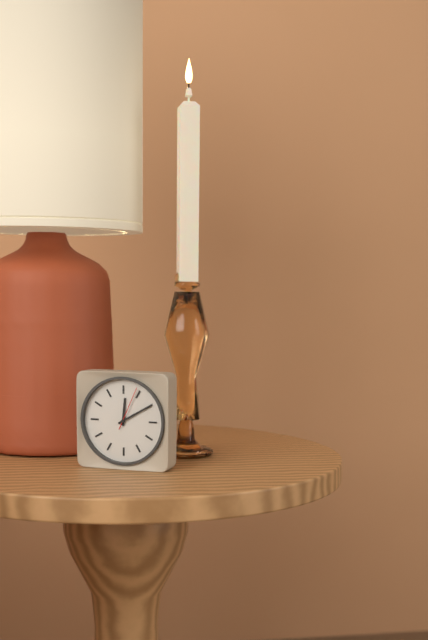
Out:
12,10
